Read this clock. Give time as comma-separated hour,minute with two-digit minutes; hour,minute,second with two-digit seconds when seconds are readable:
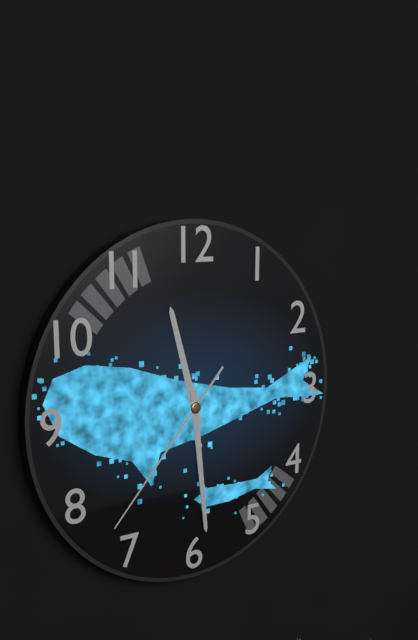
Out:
11,29,37
